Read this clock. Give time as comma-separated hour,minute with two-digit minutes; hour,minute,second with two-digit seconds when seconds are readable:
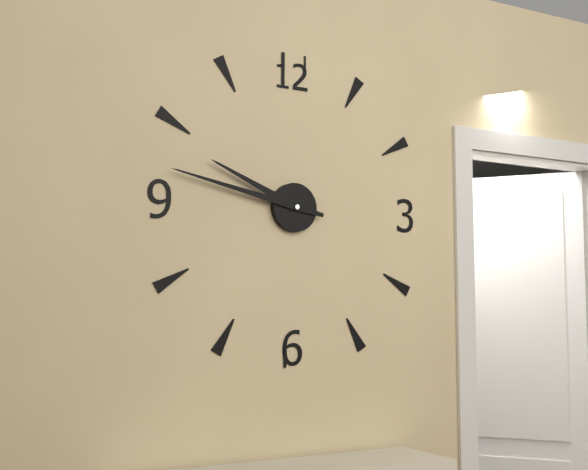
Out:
9,47
